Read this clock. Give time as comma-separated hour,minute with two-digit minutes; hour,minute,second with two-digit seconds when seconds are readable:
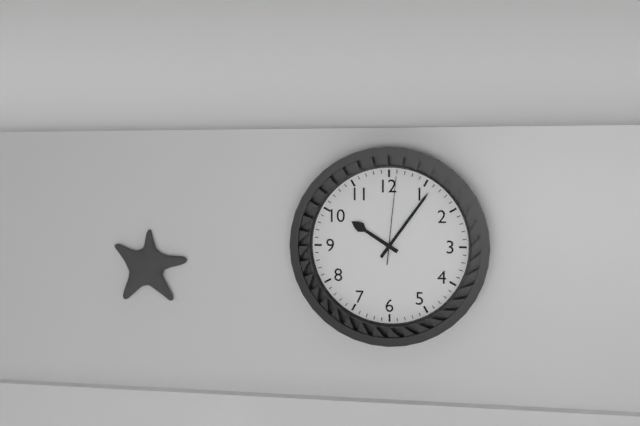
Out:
10,06,01
